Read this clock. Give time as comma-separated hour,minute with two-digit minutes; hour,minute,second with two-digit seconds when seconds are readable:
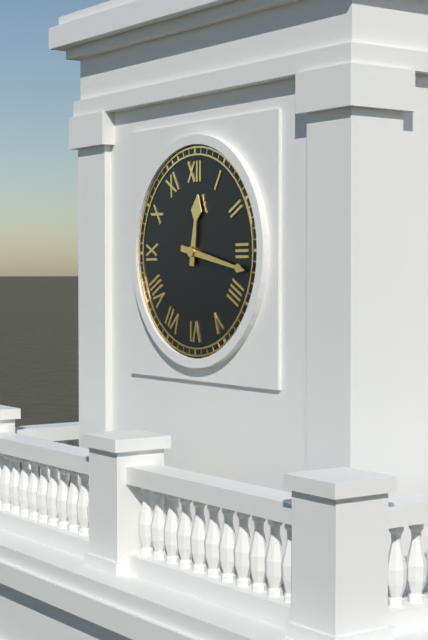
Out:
12,17
